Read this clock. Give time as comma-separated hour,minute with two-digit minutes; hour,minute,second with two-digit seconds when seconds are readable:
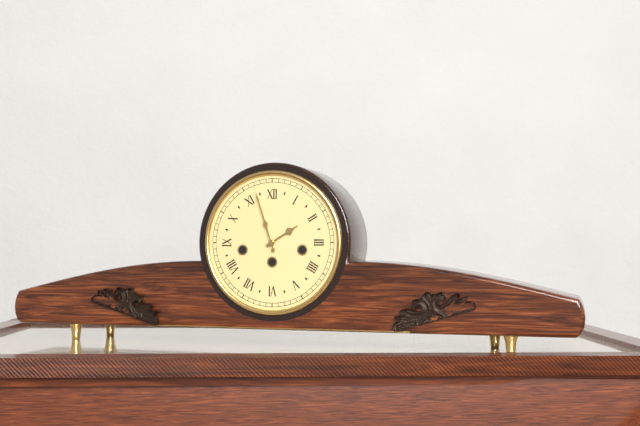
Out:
1,57
